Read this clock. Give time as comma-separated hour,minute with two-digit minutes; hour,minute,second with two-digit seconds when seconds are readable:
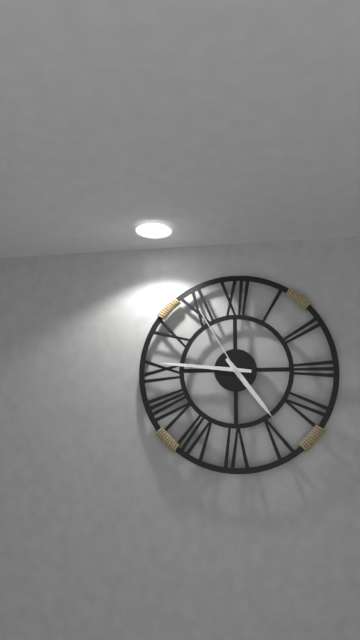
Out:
4,46,55
